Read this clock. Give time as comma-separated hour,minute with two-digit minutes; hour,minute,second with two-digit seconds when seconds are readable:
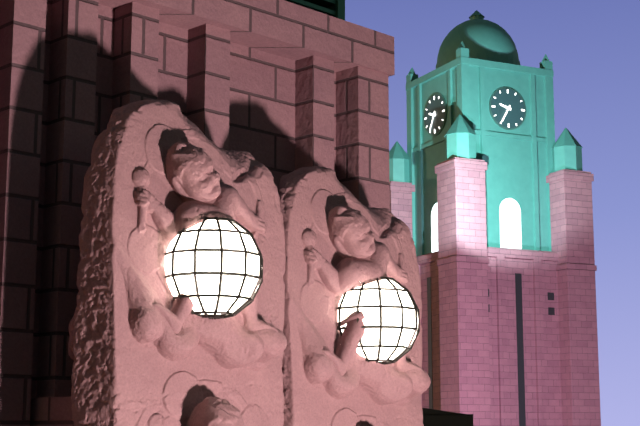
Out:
9,35
